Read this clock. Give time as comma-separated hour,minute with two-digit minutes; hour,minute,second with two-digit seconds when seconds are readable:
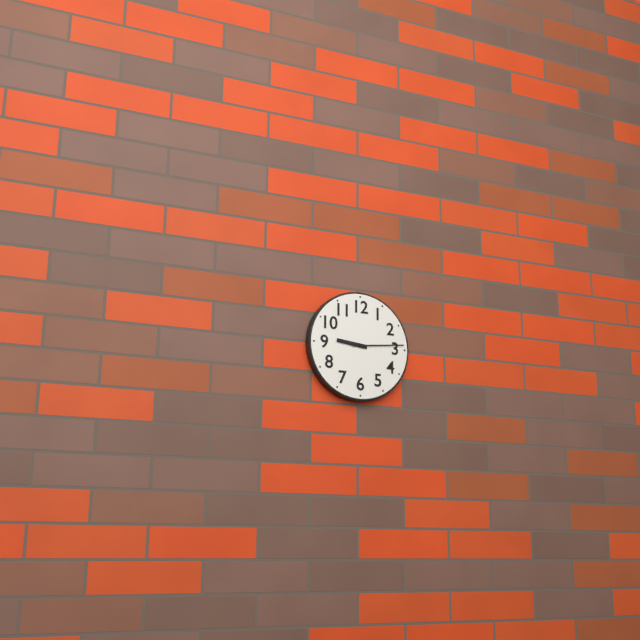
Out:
9,14
